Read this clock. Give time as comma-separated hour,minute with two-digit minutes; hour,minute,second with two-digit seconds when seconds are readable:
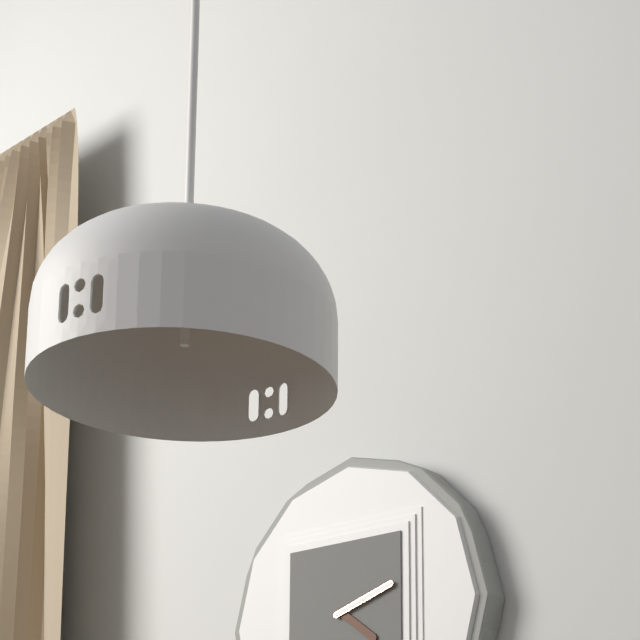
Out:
4,12
